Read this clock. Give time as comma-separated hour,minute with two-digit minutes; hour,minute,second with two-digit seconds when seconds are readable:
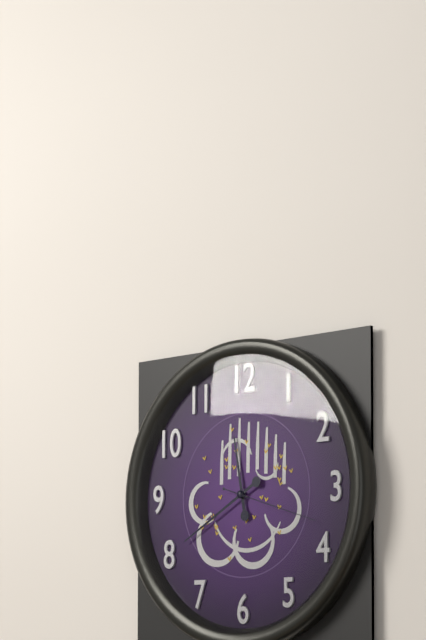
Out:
11,40,18
